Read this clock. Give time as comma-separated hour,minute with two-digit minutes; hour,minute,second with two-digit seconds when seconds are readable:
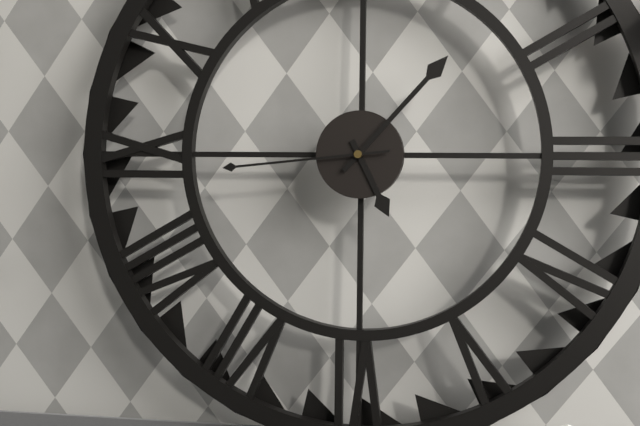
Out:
5,07,44
